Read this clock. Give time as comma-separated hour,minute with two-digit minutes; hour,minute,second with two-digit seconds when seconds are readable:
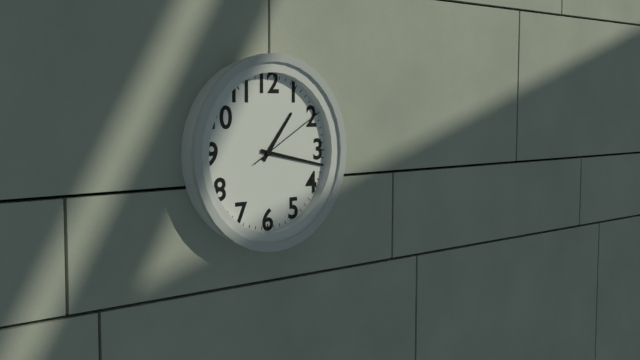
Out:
1,17,10
